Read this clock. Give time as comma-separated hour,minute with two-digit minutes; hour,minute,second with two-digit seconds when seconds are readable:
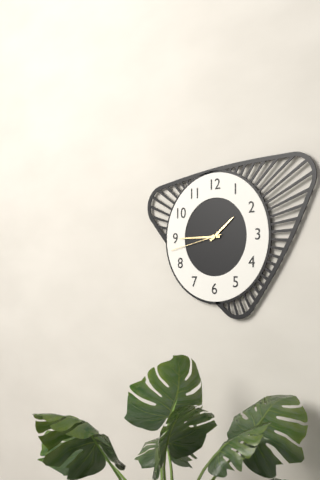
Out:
1,45,43
